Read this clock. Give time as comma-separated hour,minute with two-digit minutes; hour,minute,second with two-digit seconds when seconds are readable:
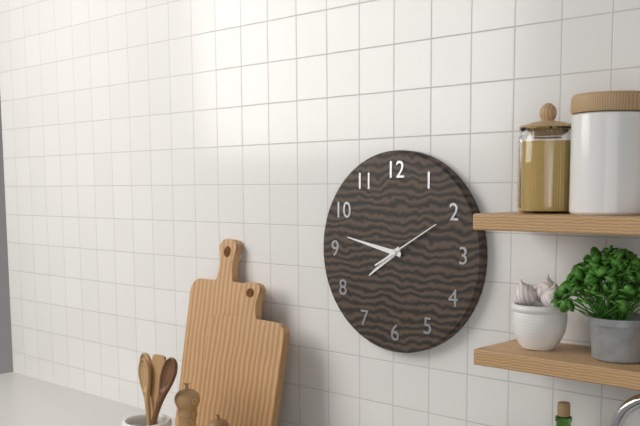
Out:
7,47,10
